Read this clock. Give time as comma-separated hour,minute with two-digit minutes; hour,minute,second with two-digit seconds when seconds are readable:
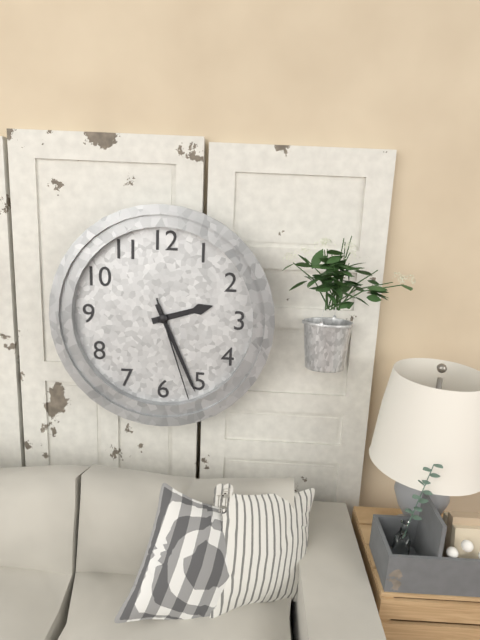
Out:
2,26,27
